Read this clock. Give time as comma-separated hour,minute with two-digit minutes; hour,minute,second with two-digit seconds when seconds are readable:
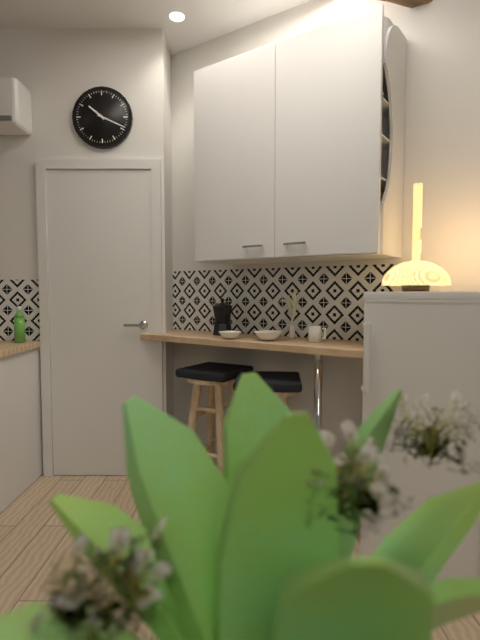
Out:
10,19
